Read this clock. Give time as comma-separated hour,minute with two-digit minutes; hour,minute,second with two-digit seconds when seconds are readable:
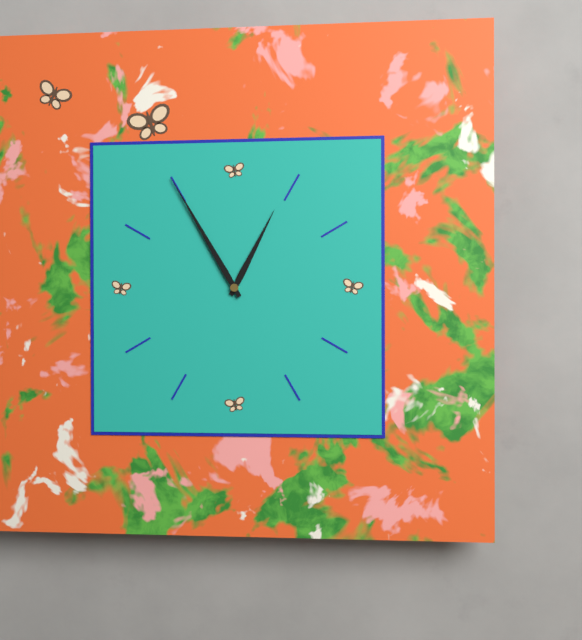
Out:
12,55
